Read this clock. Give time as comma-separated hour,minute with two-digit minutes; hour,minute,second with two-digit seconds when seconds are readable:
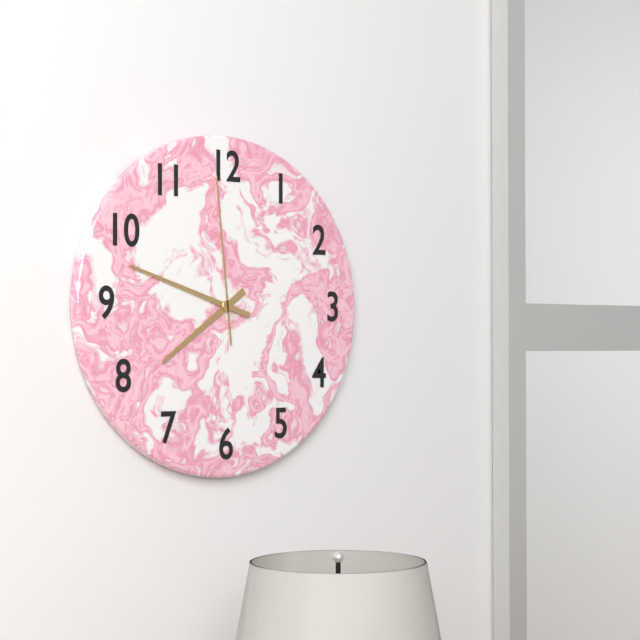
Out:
7,48,59
